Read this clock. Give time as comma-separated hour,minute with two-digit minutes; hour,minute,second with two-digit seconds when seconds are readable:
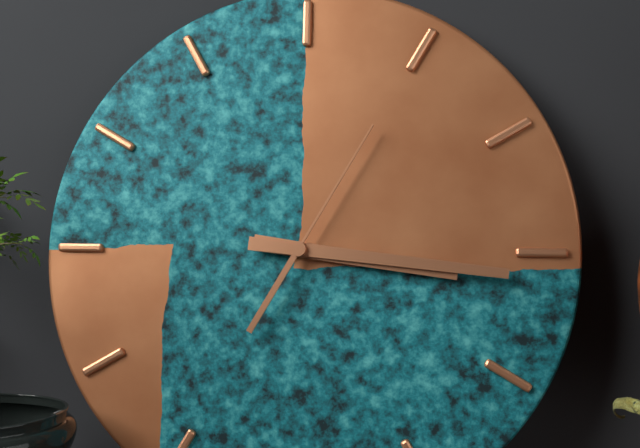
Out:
3,16,05
